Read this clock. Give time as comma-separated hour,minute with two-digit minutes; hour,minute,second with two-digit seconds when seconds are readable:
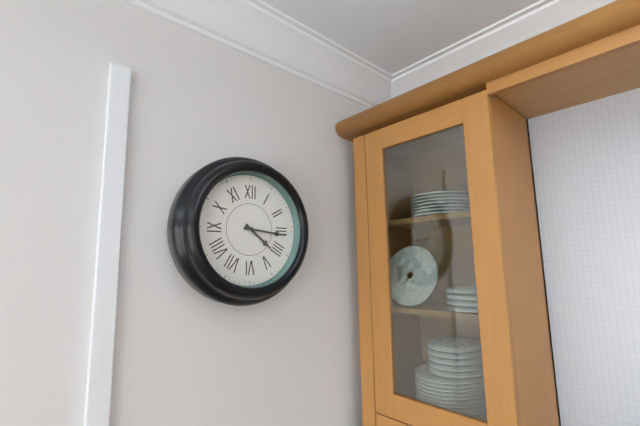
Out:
4,16
